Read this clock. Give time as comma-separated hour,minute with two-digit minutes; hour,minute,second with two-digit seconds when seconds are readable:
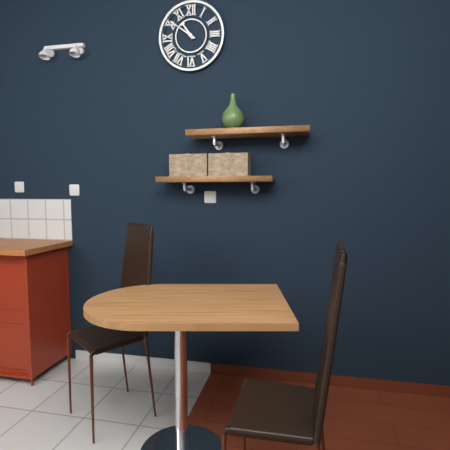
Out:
10,51
